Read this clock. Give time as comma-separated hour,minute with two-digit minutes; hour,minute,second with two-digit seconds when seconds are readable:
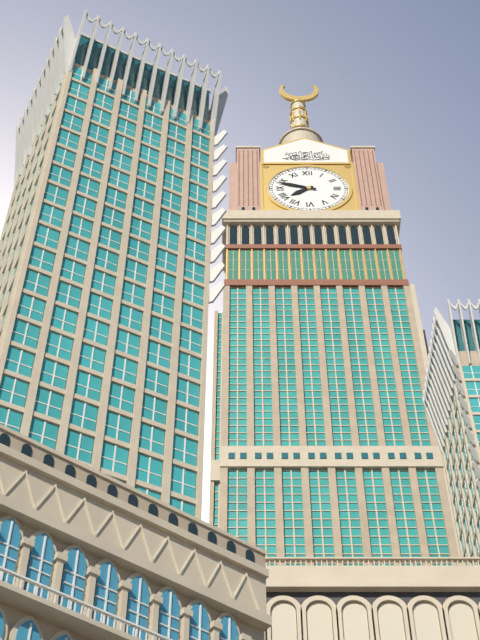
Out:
7,48
